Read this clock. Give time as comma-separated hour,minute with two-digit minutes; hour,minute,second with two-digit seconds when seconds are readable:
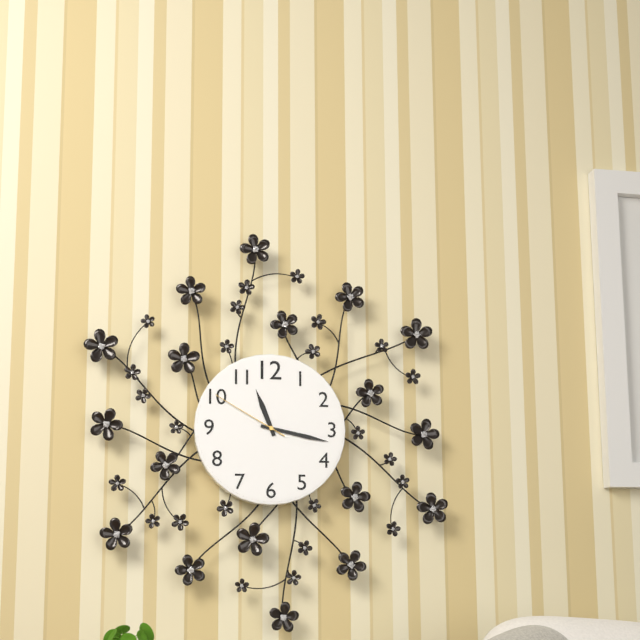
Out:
11,17,50
